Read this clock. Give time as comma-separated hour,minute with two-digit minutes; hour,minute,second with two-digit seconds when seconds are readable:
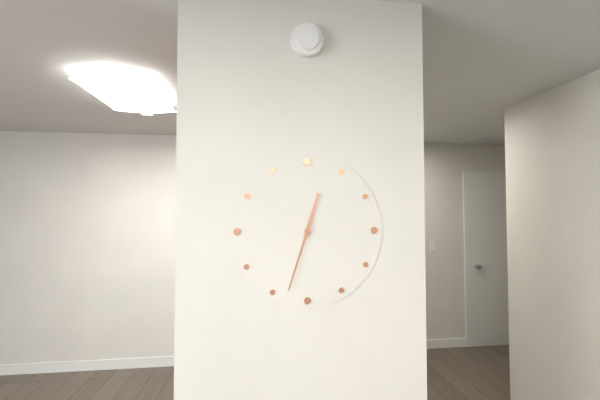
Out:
12,33
